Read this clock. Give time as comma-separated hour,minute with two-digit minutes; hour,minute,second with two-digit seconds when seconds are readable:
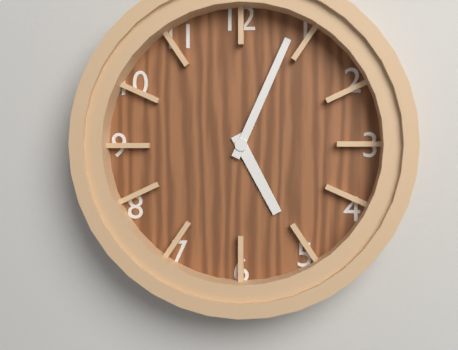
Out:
5,04
